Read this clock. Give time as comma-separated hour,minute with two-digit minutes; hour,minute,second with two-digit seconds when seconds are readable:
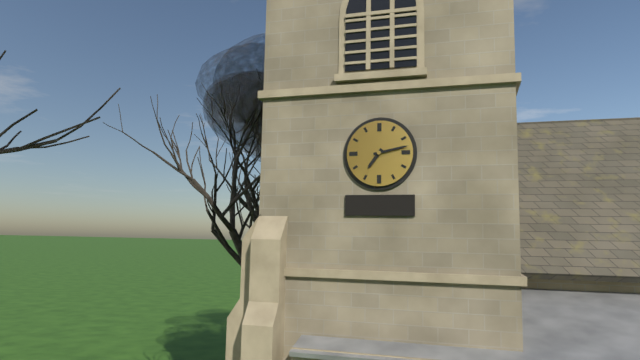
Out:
7,13
